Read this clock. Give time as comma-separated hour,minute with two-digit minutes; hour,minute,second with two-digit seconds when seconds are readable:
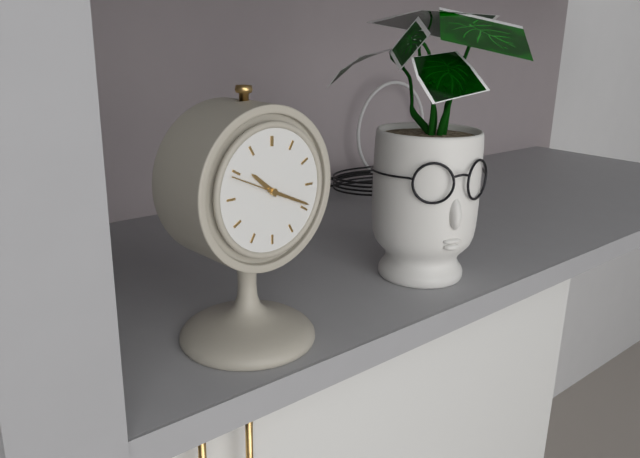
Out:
10,19,49
